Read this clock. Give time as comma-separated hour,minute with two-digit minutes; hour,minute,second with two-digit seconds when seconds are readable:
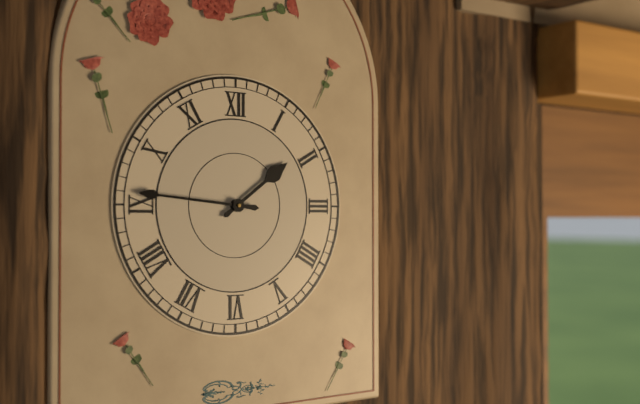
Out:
1,46
